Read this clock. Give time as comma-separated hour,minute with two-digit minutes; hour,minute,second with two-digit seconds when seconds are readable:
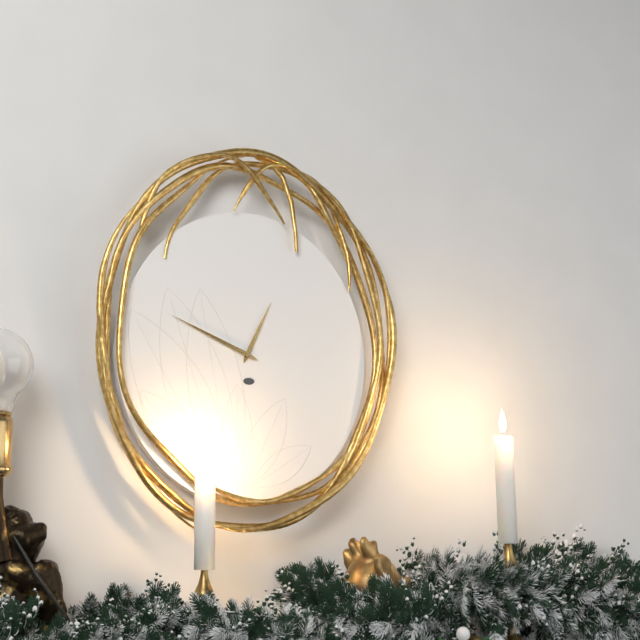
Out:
12,49
